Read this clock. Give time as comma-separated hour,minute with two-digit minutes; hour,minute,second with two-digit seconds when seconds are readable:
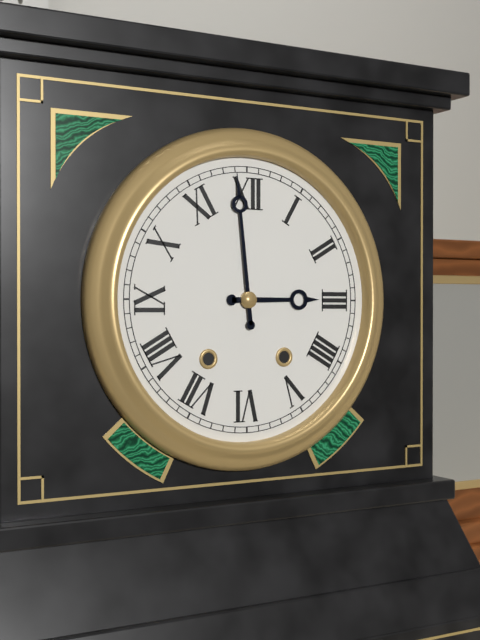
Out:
2,59
